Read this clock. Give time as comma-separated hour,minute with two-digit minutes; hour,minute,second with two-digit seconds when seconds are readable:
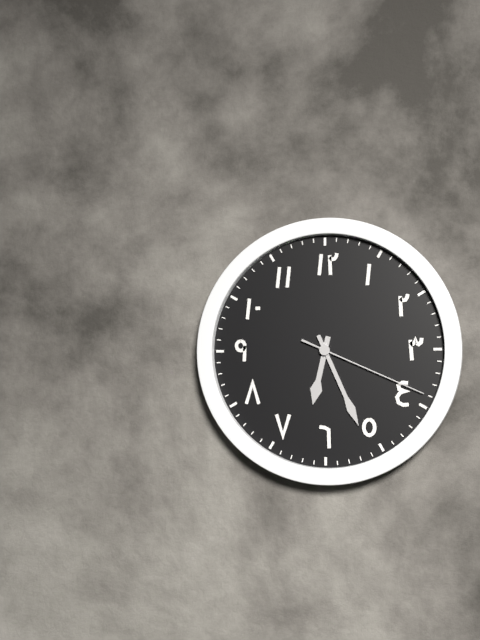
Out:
6,26,19
